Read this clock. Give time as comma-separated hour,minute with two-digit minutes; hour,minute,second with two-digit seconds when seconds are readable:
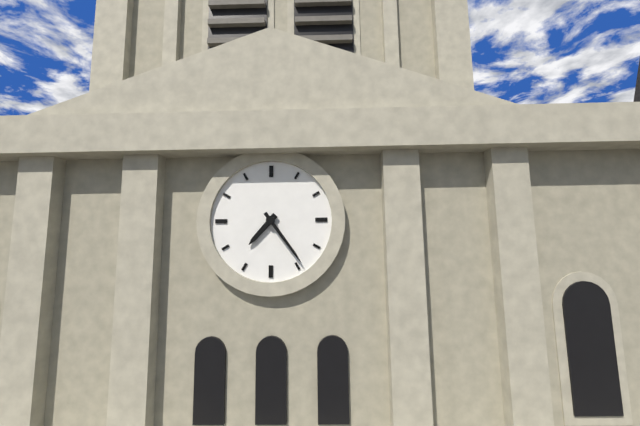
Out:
7,24
